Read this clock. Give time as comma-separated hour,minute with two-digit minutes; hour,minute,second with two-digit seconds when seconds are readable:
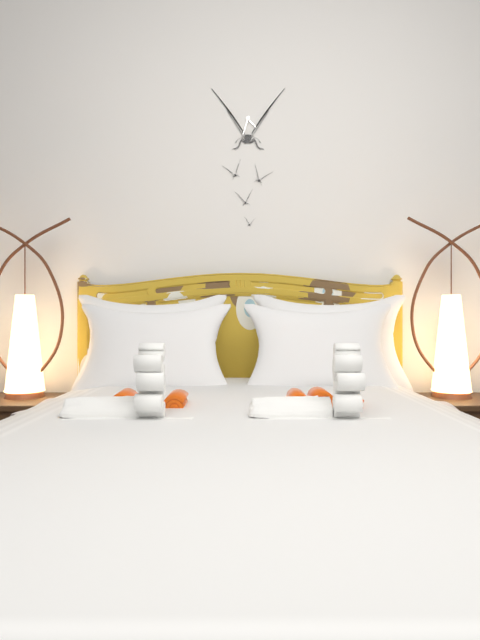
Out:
4,33
